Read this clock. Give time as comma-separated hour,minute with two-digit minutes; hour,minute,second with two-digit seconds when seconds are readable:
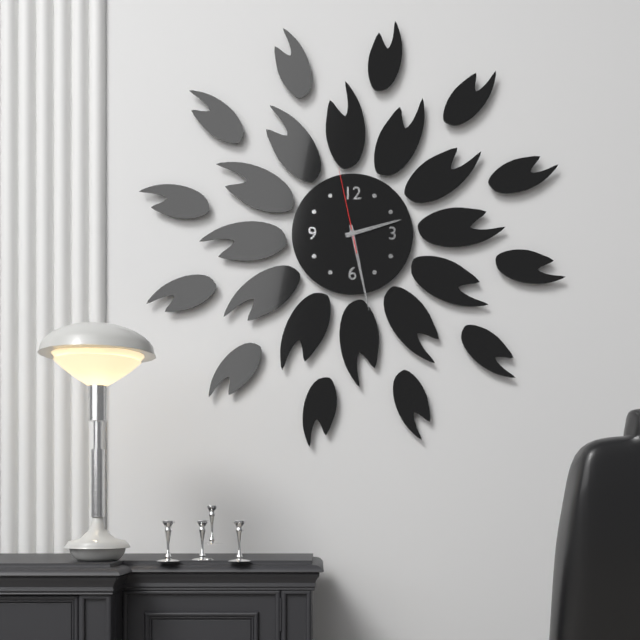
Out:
2,28,58
